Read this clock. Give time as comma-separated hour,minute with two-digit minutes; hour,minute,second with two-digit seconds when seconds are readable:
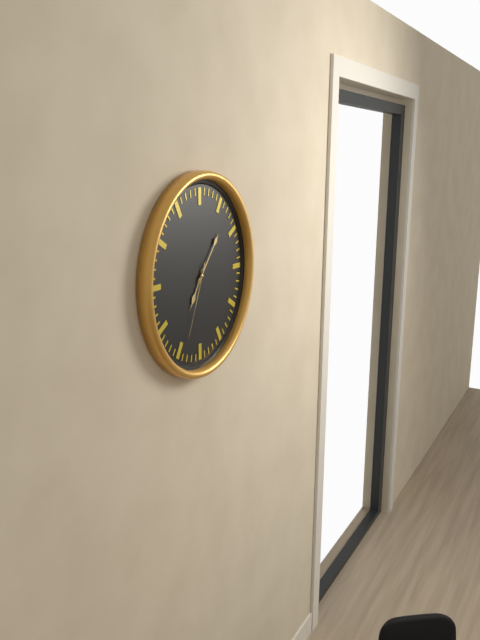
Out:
7,07,34
